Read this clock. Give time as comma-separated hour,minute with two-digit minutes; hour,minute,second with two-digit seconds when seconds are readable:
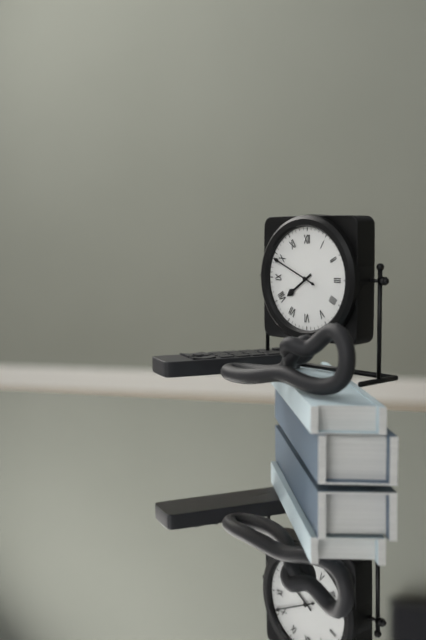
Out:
7,49
